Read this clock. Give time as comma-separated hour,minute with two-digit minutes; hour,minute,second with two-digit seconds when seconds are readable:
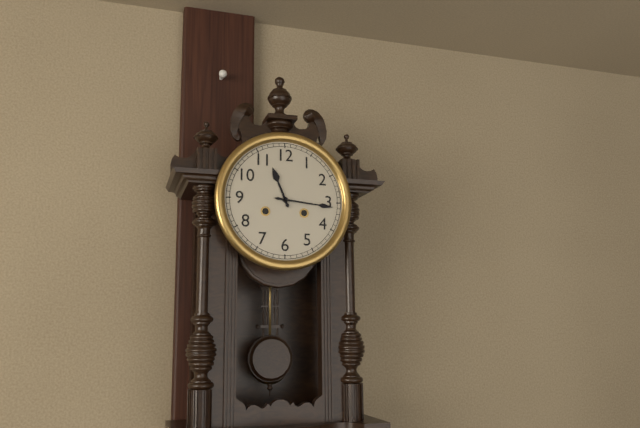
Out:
11,16
